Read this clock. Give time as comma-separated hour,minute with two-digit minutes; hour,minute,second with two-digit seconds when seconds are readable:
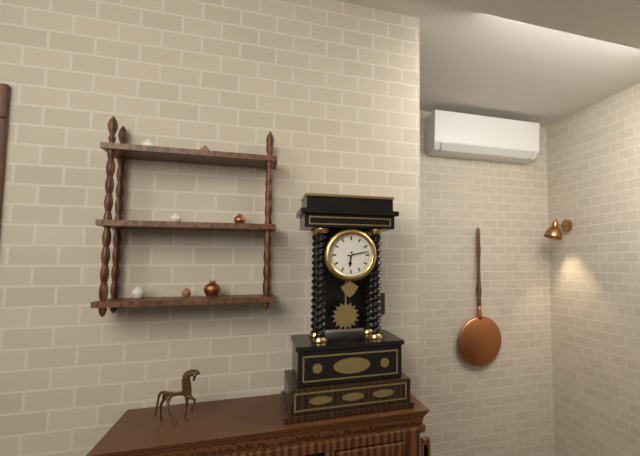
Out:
6,13
